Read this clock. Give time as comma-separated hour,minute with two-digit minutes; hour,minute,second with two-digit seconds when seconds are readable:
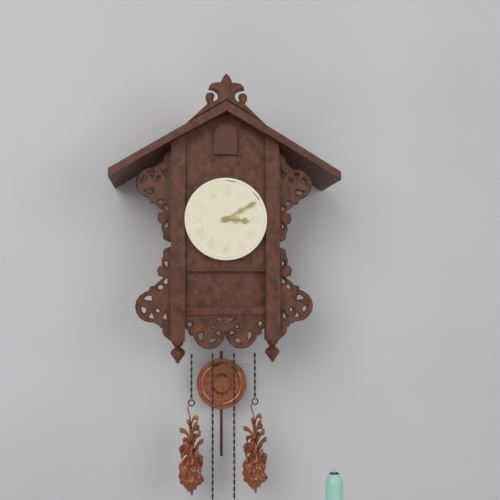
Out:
3,10
